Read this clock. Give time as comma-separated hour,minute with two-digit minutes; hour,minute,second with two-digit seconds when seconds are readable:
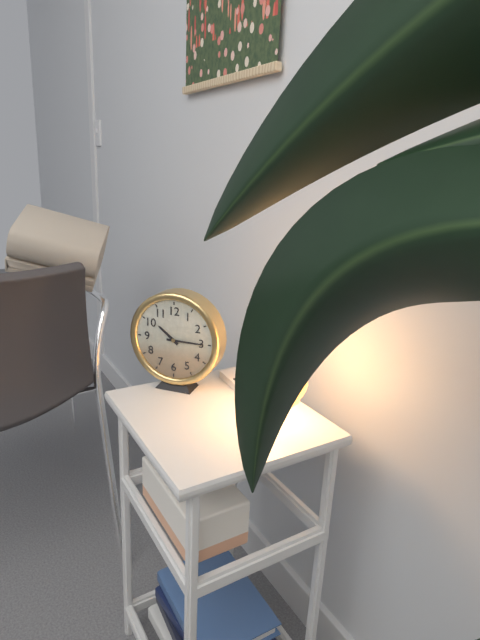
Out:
10,15
